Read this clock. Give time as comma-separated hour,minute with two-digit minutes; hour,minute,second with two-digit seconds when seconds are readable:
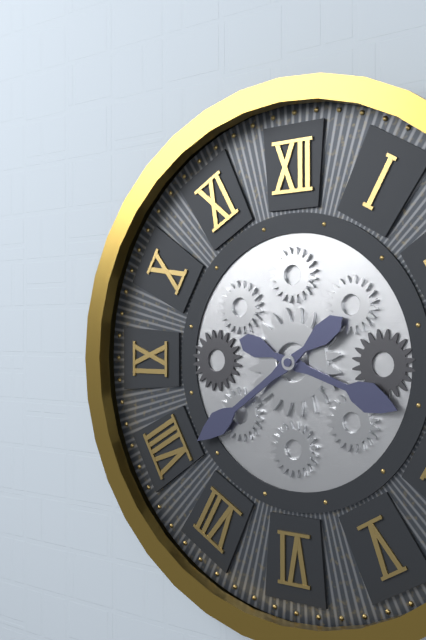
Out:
3,39
